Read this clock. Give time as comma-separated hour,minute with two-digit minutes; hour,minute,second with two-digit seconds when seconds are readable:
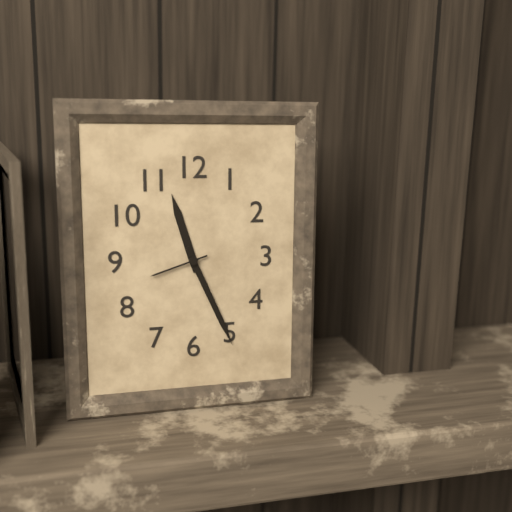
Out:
11,26,42
